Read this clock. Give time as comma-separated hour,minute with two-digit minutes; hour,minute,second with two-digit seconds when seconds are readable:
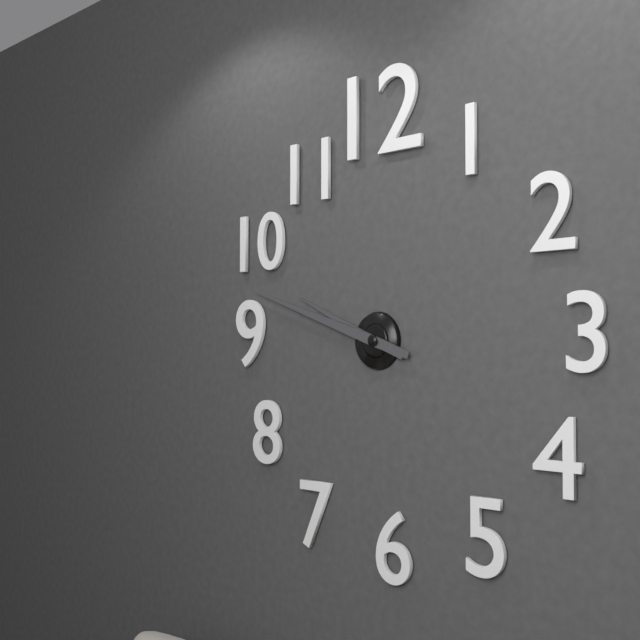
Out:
9,48
